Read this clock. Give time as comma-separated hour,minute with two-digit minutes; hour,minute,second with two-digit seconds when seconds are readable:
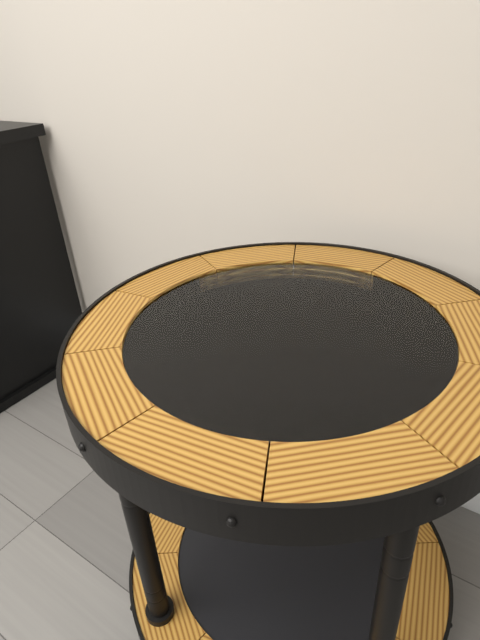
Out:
9,14
